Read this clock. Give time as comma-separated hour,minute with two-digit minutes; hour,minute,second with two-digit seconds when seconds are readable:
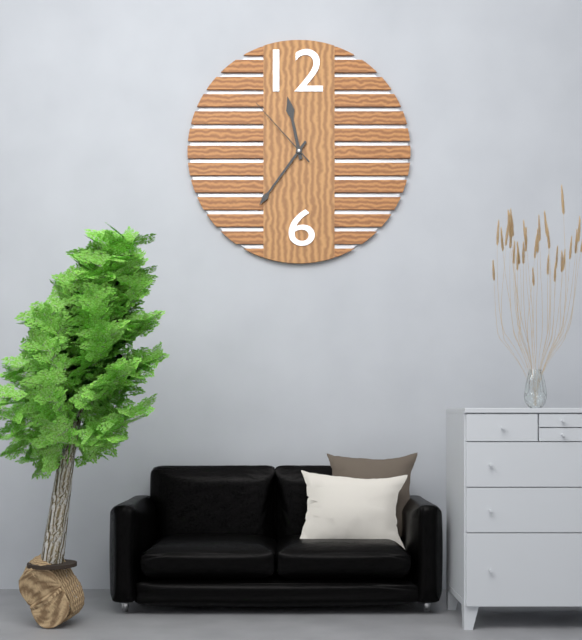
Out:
11,36,53
